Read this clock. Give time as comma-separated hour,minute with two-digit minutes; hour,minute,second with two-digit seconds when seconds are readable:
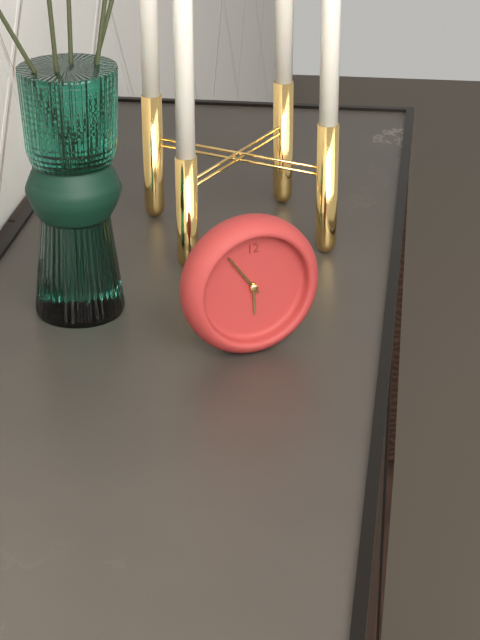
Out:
5,54
